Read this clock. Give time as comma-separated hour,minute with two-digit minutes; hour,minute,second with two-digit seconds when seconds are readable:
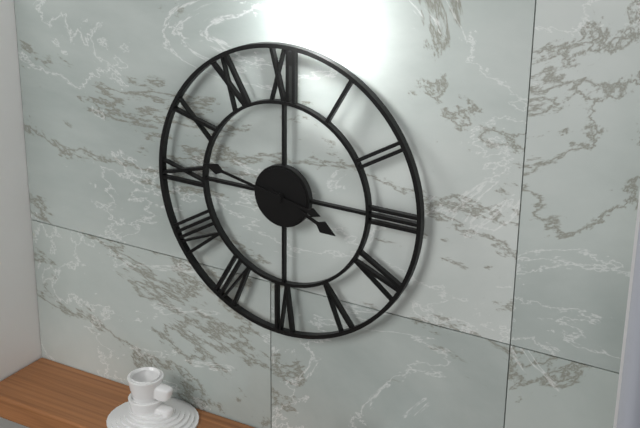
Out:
3,47
